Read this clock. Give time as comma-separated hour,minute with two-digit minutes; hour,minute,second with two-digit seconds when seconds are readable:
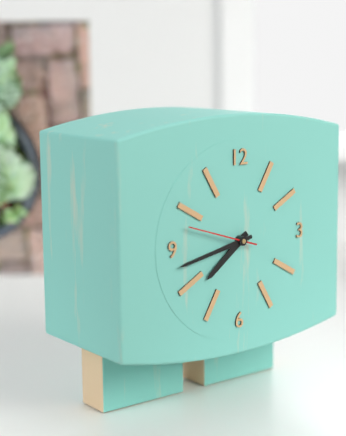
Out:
7,43,48
